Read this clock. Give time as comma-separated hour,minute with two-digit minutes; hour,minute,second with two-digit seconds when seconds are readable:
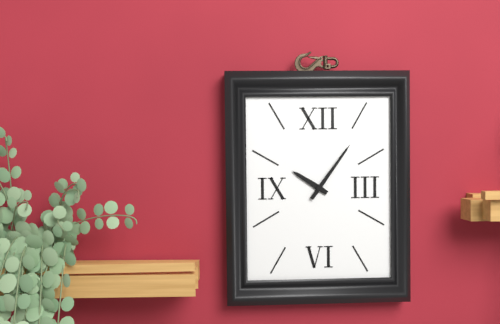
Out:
10,06
